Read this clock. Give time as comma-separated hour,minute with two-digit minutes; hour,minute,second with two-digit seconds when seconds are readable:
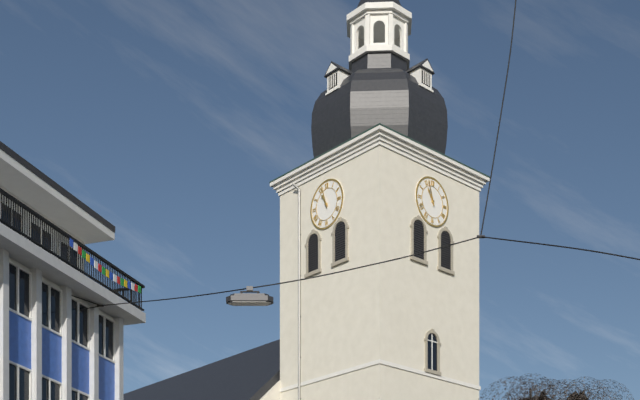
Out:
10,57
